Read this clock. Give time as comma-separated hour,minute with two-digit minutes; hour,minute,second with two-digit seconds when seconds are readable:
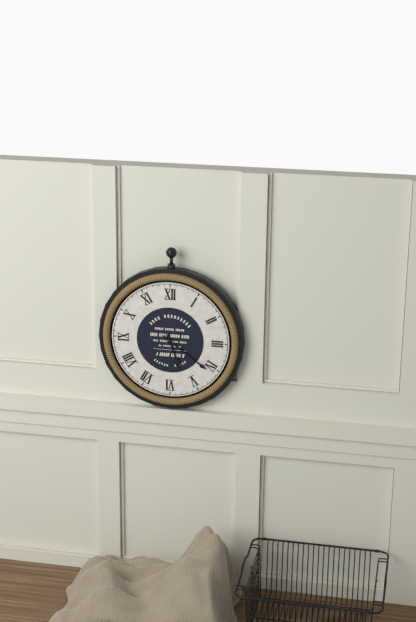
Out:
5,21
